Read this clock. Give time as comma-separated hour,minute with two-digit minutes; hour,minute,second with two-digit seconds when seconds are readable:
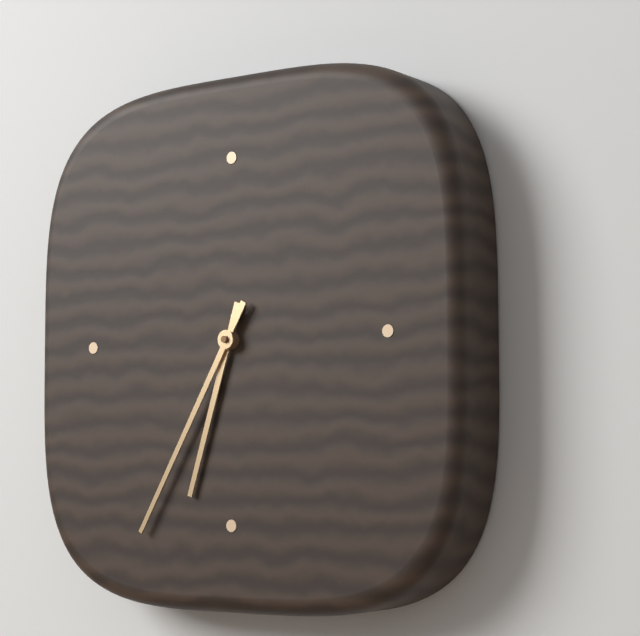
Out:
6,35
